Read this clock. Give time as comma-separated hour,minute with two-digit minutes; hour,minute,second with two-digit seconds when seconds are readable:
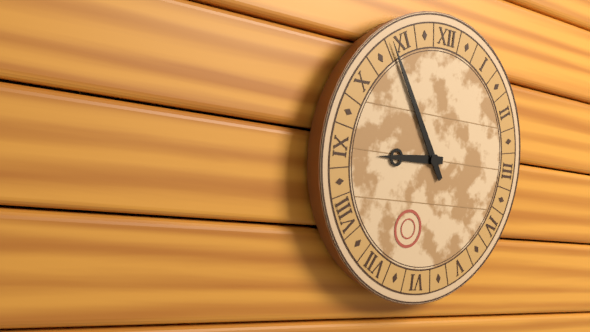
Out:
8,54
